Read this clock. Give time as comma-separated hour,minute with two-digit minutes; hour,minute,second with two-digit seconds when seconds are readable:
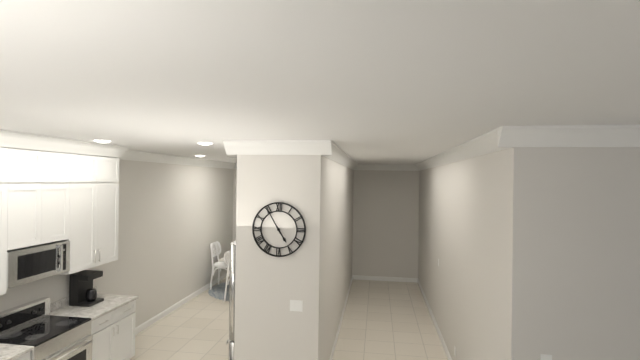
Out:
4,55
